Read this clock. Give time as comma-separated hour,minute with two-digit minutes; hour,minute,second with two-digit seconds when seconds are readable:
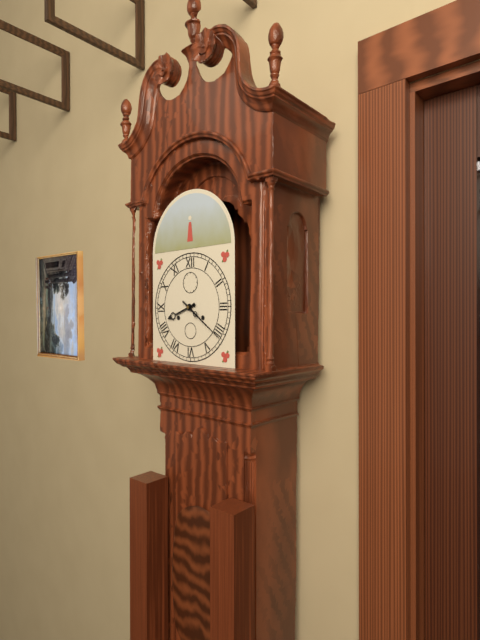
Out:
8,21
